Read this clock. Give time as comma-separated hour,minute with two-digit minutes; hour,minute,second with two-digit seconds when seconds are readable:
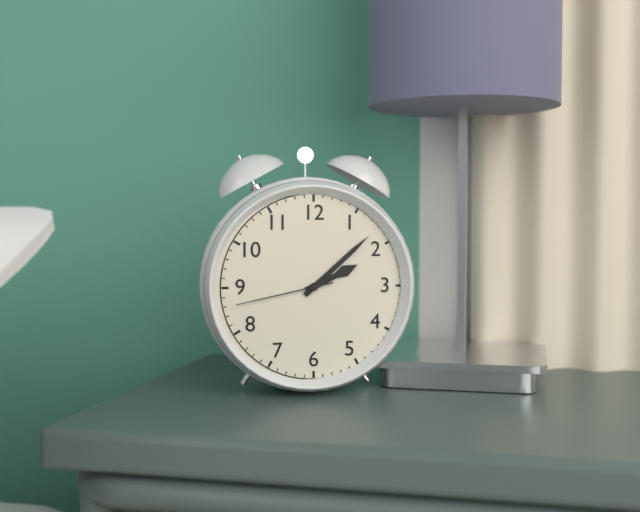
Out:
2,08,43
